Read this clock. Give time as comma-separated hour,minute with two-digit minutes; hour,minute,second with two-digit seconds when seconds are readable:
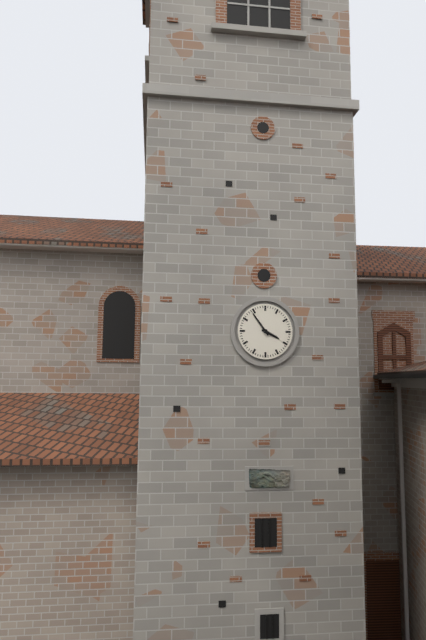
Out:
3,54
